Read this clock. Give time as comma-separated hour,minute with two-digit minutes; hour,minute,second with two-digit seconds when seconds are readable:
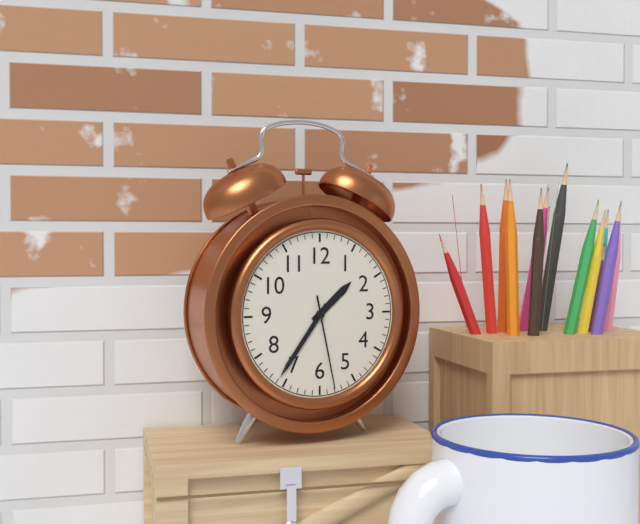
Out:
1,36,28
